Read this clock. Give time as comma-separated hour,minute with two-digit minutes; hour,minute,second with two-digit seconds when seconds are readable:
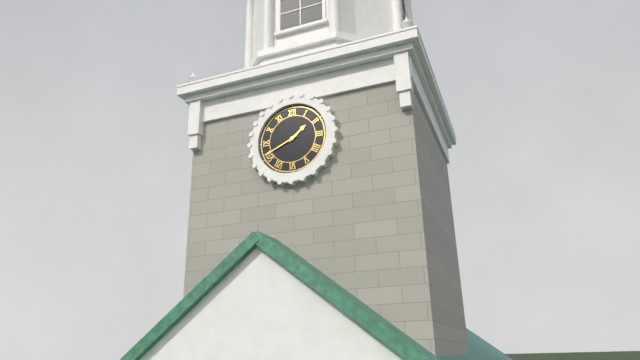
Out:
1,41
